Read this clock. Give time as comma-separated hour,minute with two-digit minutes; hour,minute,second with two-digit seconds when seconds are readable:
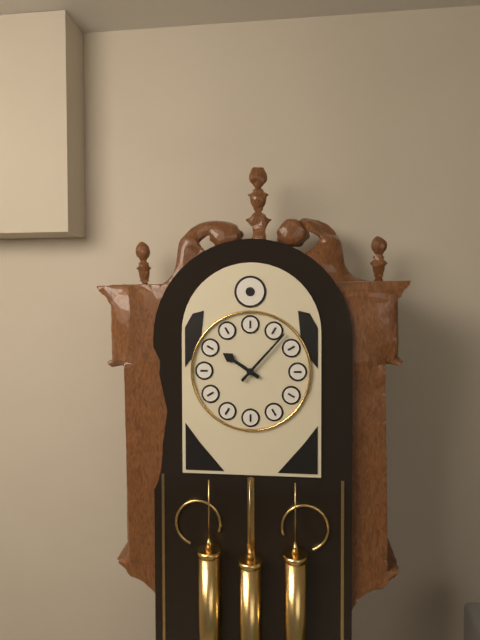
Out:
10,07
